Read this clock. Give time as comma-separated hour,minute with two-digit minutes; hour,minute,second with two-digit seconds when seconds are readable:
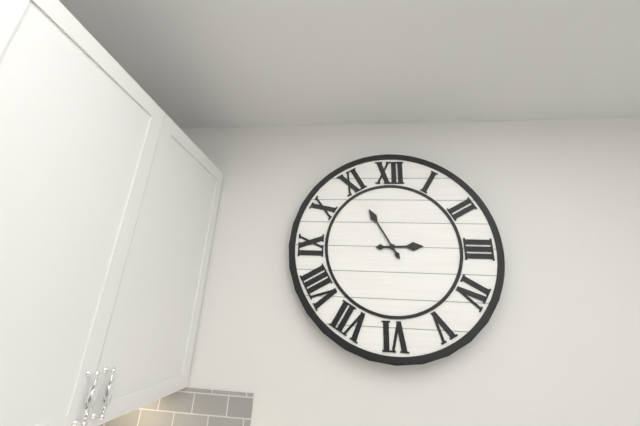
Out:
2,55
